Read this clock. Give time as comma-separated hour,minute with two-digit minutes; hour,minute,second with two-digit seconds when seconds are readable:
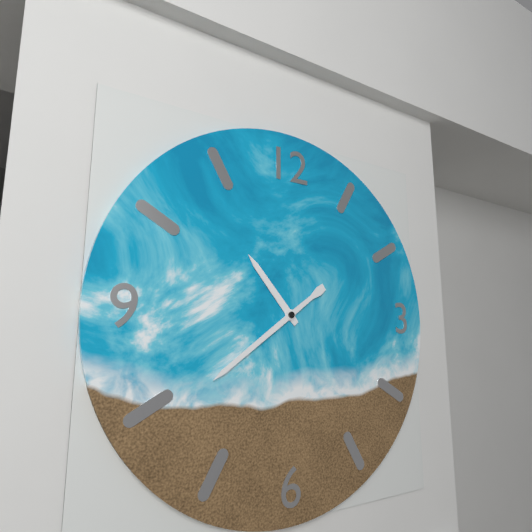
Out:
10,39
